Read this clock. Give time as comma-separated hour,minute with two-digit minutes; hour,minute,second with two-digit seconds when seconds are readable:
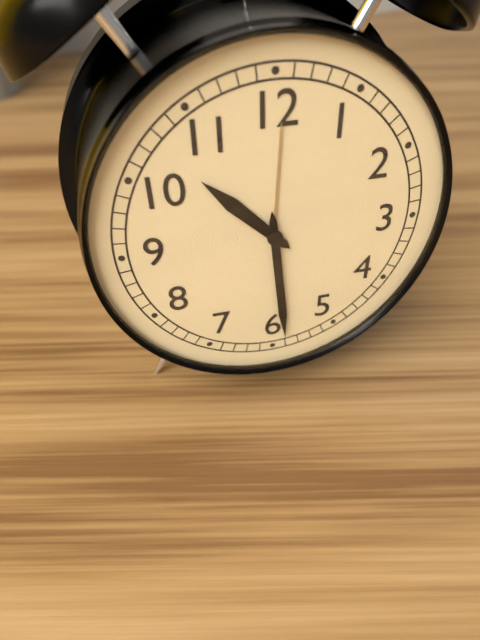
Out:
10,29
